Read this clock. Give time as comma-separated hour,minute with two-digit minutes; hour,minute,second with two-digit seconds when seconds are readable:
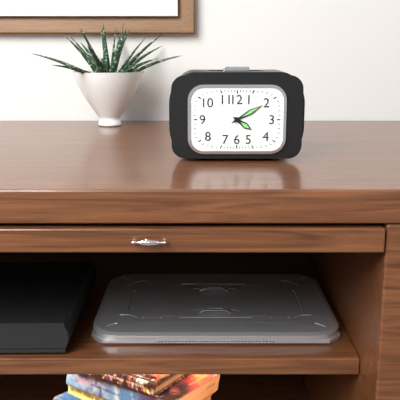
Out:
4,10
